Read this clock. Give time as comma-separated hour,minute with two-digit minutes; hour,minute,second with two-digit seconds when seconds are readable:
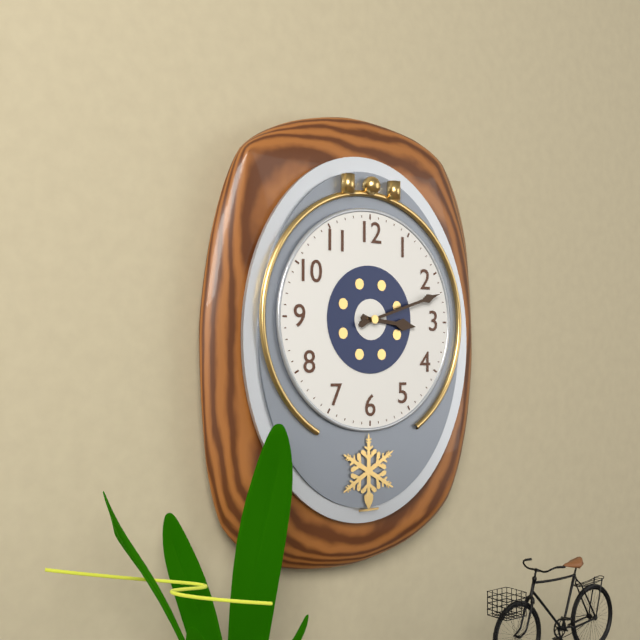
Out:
3,12
